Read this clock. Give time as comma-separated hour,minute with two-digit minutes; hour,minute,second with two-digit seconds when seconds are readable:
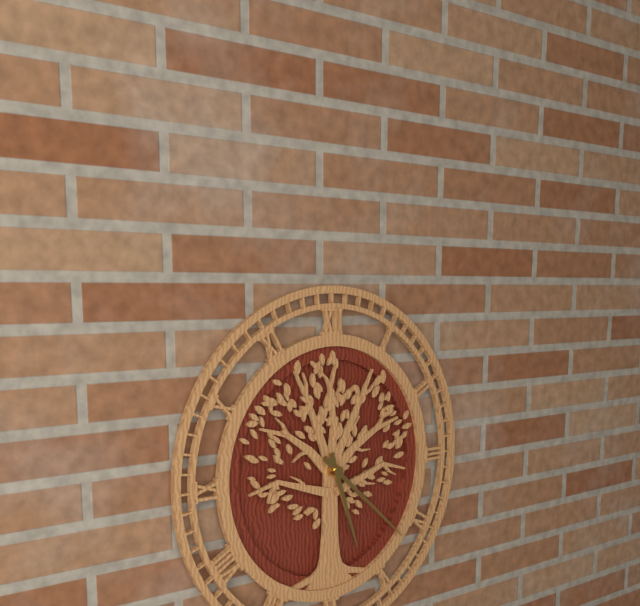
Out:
5,22
